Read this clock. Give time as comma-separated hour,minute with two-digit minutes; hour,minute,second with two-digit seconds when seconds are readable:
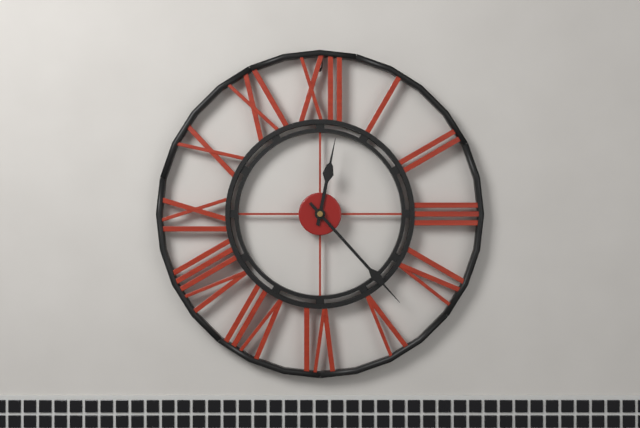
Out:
12,23
